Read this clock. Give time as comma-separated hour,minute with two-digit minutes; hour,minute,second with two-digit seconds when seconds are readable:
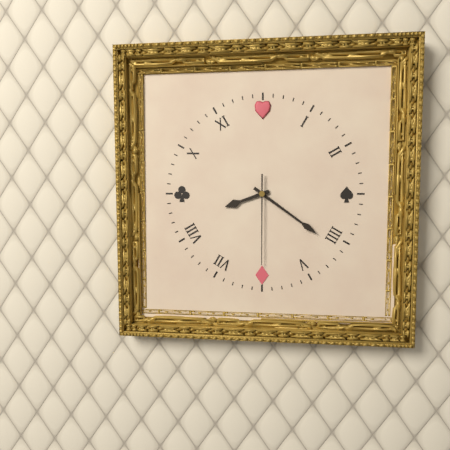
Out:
8,21,30
